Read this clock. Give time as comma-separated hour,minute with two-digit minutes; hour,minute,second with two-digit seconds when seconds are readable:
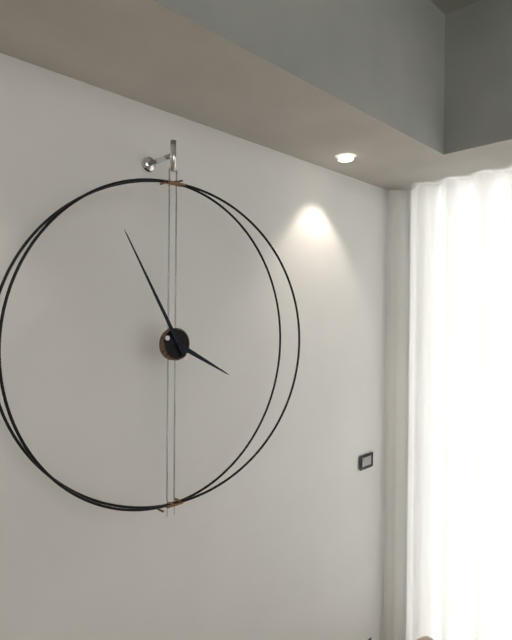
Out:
3,55
